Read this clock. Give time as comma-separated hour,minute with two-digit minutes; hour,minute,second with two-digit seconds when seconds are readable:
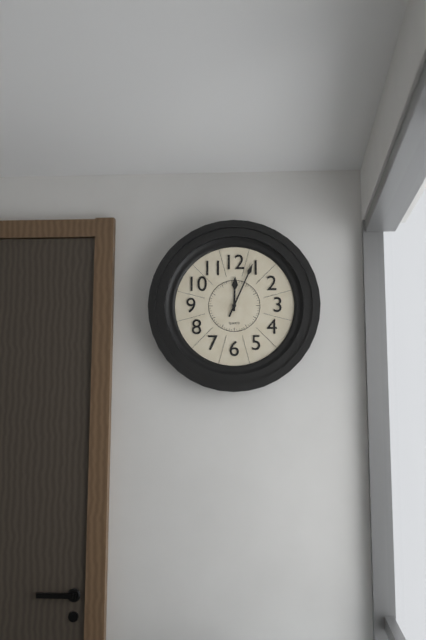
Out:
12,04
